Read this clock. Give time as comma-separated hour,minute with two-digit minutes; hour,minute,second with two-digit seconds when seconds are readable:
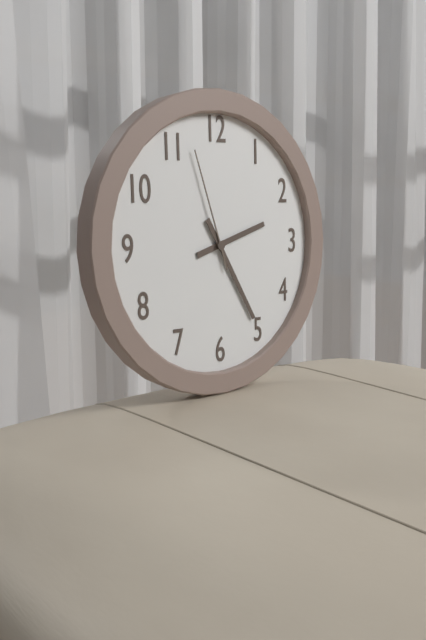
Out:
2,25,57
